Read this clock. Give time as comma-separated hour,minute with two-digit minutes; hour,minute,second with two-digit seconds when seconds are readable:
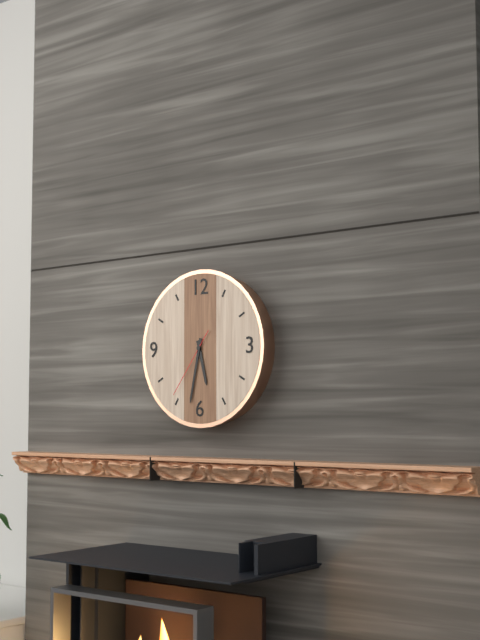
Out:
5,32,36
